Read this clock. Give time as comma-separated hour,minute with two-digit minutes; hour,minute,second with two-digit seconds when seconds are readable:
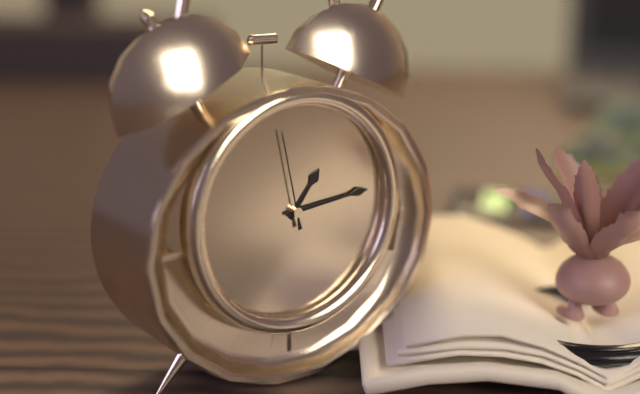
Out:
1,14,58
